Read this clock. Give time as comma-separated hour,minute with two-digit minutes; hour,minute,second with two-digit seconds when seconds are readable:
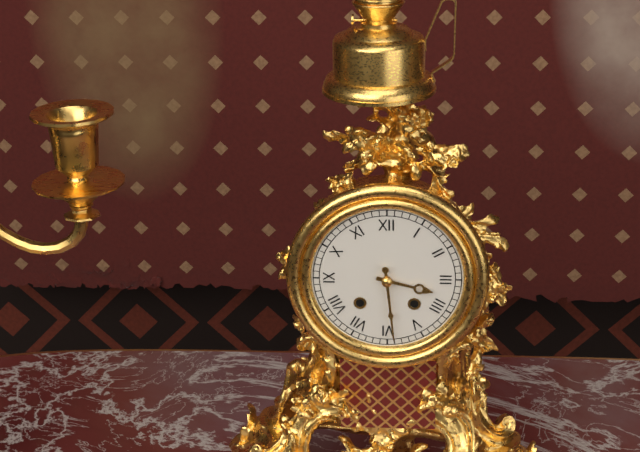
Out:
3,29
